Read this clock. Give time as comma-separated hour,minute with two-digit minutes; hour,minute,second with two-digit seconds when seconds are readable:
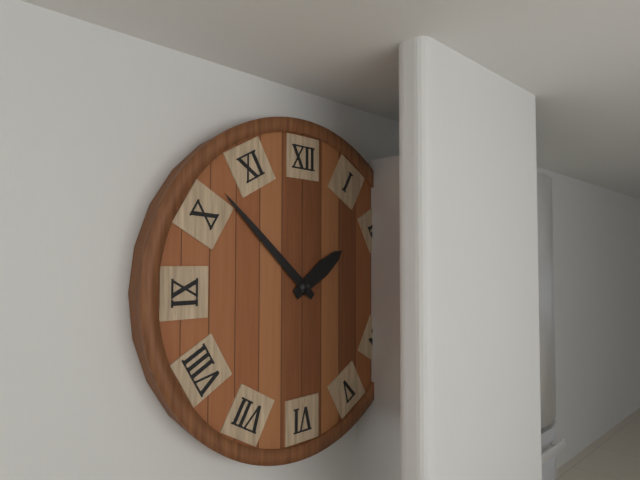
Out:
1,52
